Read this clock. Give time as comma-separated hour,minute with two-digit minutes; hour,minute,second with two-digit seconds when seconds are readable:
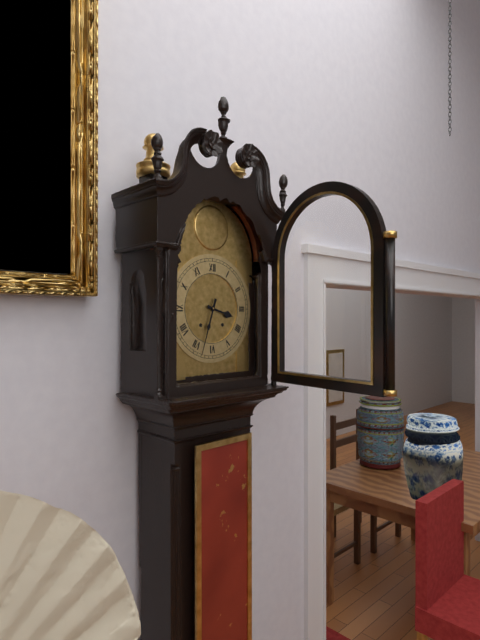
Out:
3,33
